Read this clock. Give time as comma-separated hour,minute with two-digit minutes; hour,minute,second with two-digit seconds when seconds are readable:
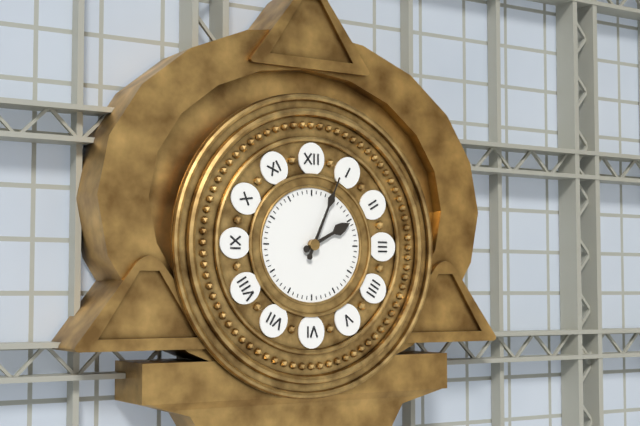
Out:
2,04
